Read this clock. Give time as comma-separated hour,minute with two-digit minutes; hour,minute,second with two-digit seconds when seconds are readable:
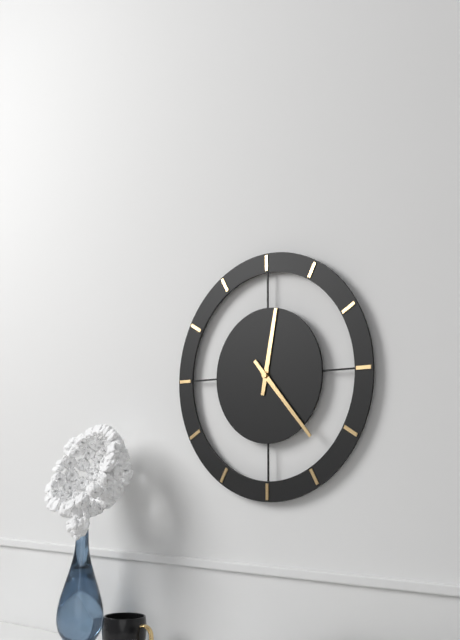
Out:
12,23
